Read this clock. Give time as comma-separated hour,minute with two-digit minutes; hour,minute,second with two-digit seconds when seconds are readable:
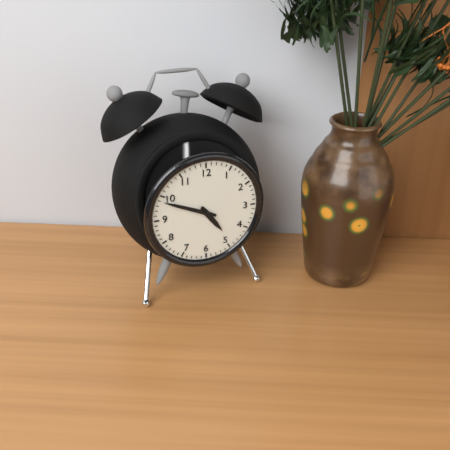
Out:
4,49
